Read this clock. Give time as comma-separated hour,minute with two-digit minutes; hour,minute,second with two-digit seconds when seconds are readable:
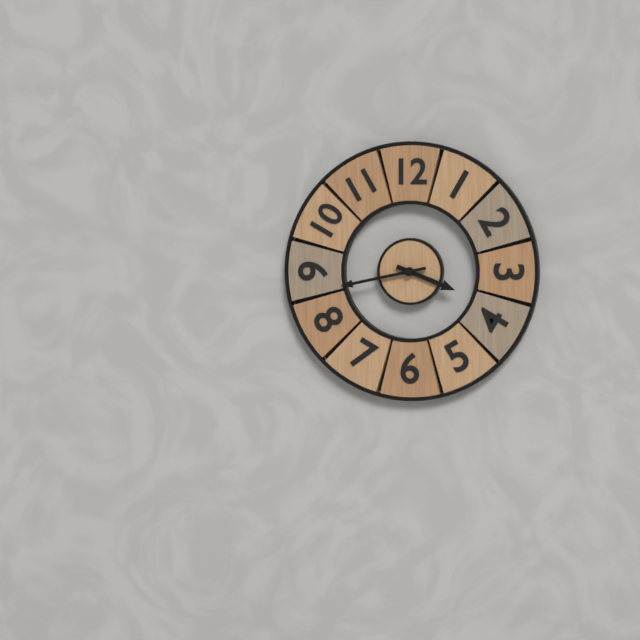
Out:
3,43
